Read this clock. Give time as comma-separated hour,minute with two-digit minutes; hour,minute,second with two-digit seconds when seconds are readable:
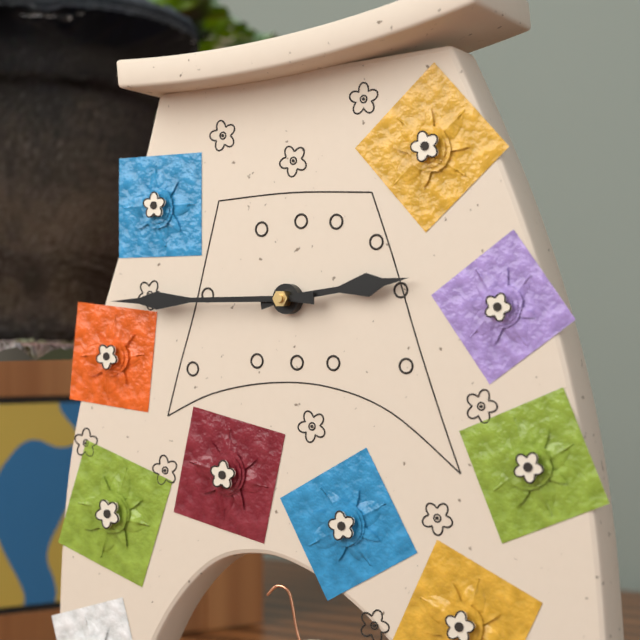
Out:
2,45
